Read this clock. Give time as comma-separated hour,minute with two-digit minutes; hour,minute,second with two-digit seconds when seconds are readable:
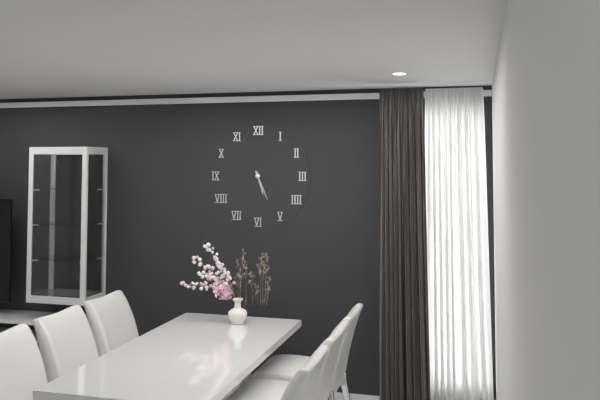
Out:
5,26
